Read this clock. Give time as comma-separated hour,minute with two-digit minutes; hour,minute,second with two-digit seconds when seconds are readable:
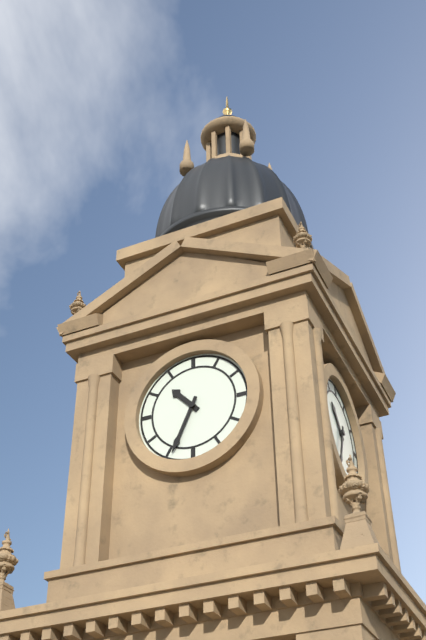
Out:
10,34
